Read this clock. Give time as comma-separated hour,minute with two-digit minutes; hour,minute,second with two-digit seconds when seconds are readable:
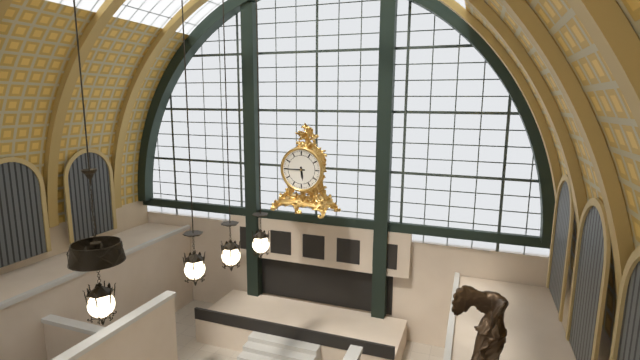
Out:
5,45
